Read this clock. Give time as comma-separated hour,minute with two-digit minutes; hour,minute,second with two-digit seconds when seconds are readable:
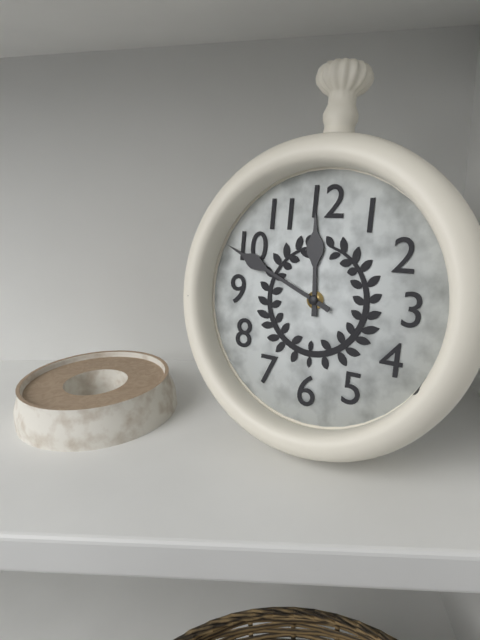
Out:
11,49
